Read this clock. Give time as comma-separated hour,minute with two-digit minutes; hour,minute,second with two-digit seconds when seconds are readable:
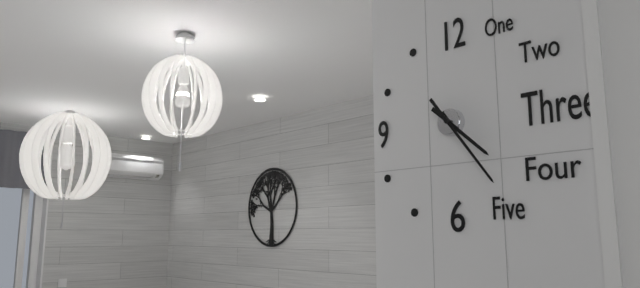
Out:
4,24
